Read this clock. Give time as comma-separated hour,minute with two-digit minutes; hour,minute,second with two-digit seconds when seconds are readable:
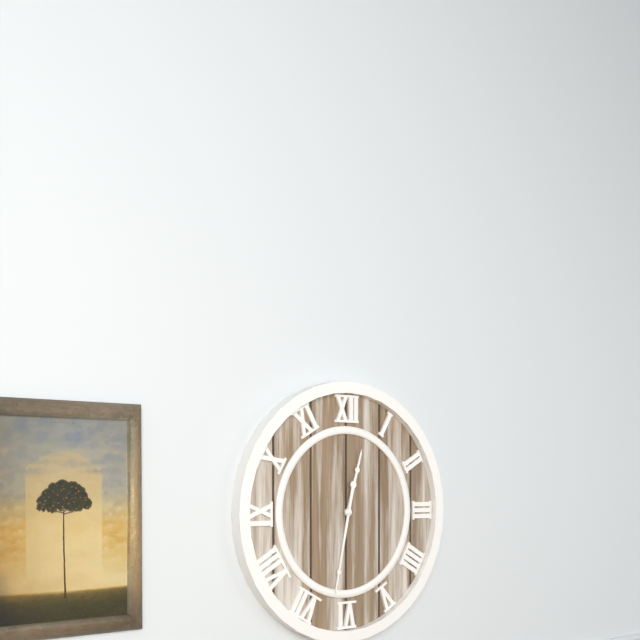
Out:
12,32
